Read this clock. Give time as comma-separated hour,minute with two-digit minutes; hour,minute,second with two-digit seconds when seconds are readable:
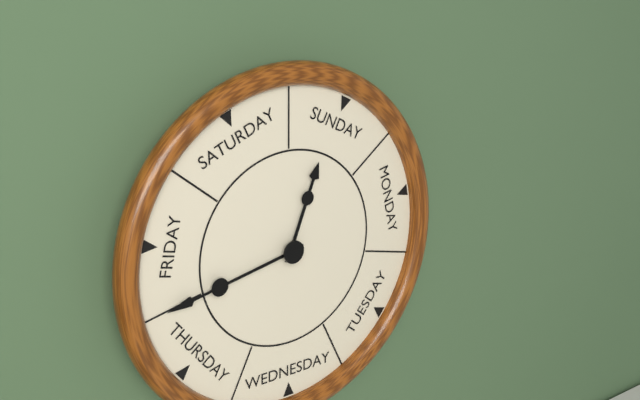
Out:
12,43
